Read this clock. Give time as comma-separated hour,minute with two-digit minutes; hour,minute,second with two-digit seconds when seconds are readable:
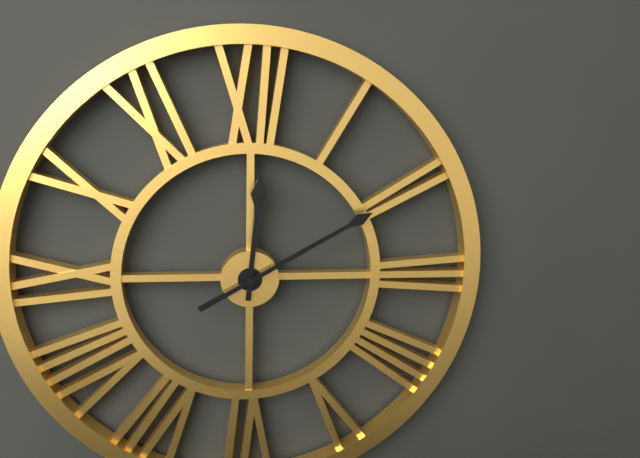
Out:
12,10
